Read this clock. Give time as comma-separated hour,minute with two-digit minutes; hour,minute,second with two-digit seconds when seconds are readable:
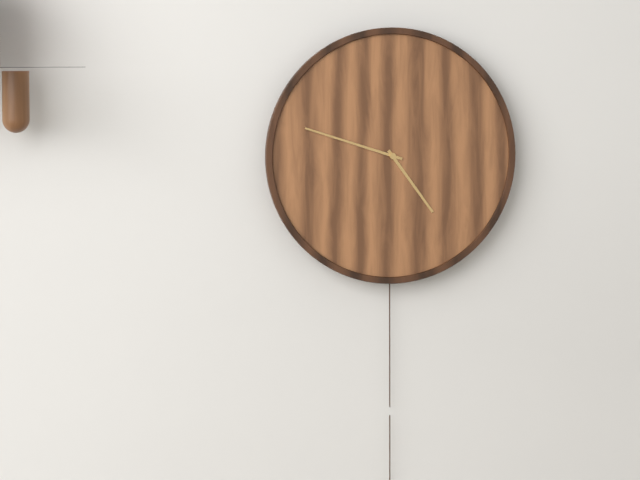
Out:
4,48
